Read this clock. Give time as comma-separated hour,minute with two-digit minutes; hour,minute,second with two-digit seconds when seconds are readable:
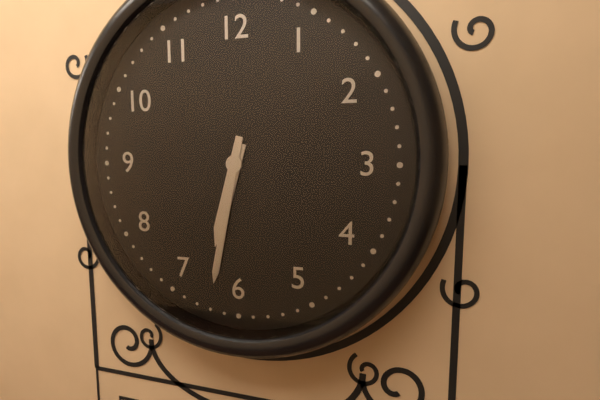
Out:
6,32
